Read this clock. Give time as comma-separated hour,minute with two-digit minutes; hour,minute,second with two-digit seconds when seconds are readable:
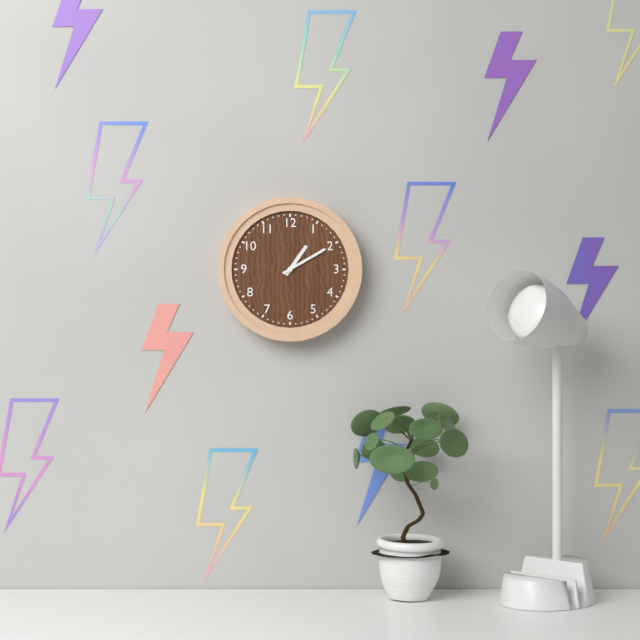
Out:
1,10
